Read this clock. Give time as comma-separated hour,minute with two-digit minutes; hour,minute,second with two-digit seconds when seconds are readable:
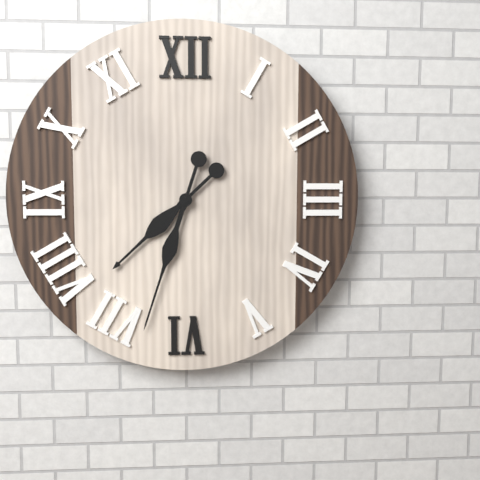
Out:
7,33
